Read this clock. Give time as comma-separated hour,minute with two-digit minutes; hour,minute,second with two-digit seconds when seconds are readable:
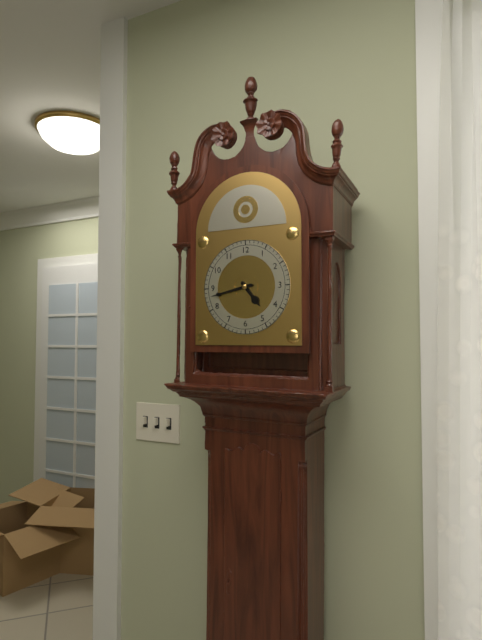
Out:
4,43
